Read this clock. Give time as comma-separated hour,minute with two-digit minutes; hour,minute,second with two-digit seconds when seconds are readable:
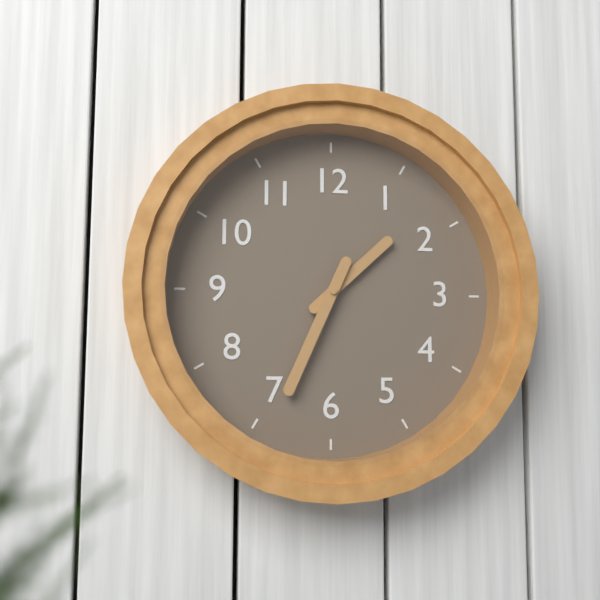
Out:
1,34
